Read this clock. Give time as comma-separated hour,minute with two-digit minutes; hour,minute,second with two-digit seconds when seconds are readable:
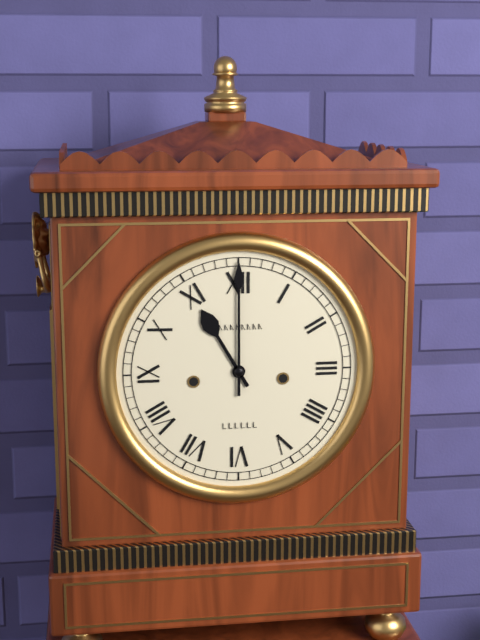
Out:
11,00
